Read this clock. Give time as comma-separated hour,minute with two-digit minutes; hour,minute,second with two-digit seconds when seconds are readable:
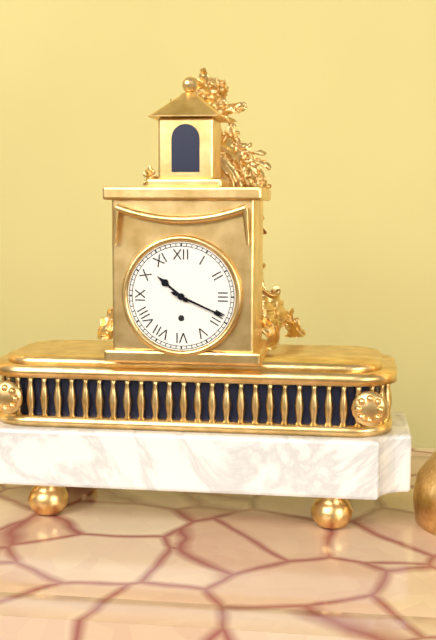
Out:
10,19
